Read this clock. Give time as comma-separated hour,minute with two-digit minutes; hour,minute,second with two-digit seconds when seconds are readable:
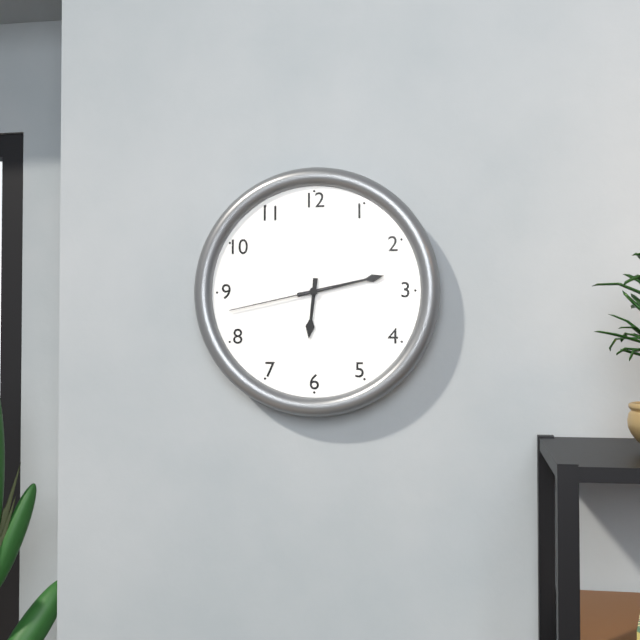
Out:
6,13,43
